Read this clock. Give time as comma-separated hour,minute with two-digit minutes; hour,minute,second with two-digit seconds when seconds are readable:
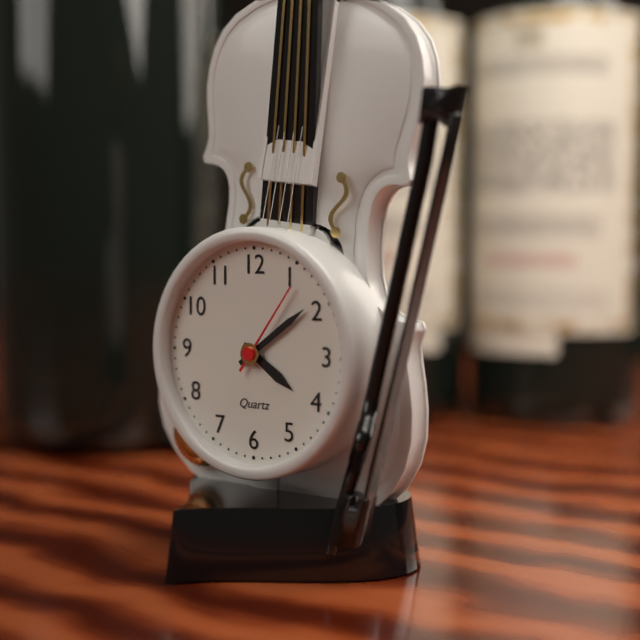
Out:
4,09,06
